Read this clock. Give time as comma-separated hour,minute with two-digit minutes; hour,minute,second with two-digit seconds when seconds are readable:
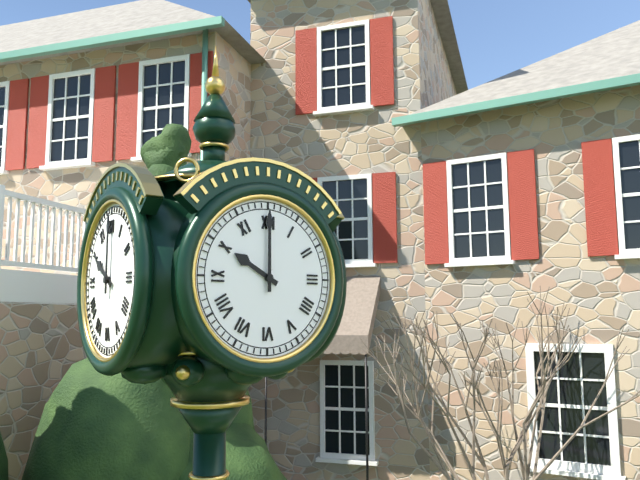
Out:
10,00
